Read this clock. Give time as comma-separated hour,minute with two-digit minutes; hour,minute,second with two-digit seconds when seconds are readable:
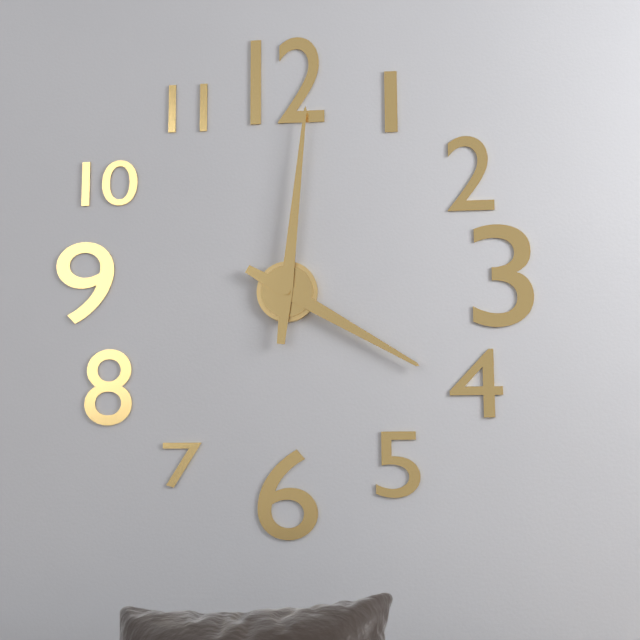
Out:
4,01
